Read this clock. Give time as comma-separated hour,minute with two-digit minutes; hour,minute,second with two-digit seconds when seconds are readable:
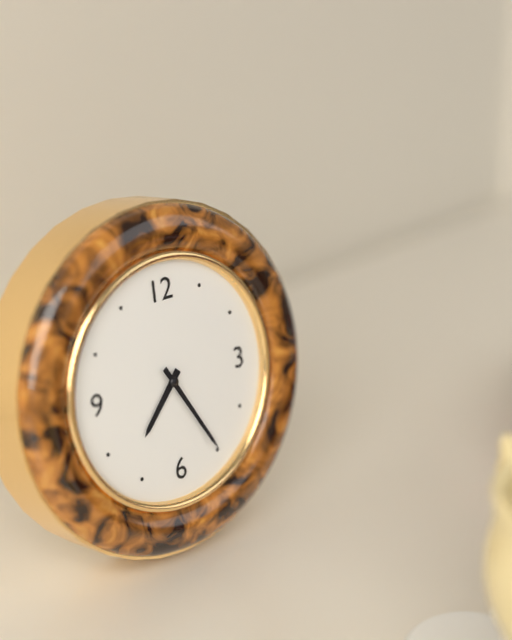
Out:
7,25
